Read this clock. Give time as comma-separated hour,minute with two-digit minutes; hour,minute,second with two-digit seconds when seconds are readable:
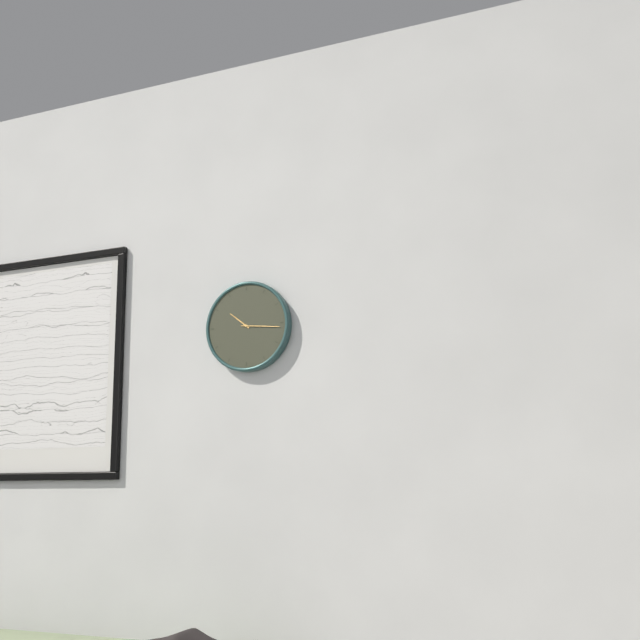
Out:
10,16
